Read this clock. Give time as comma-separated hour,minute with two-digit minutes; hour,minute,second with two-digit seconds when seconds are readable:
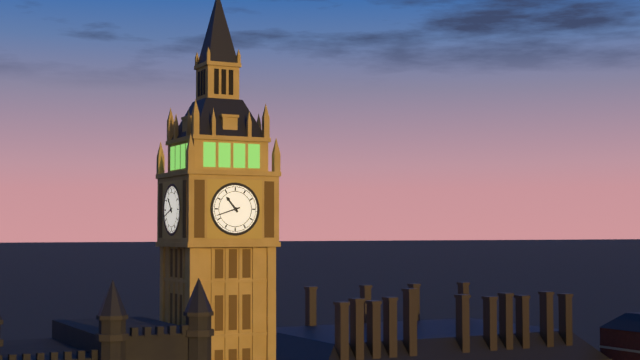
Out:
10,42
